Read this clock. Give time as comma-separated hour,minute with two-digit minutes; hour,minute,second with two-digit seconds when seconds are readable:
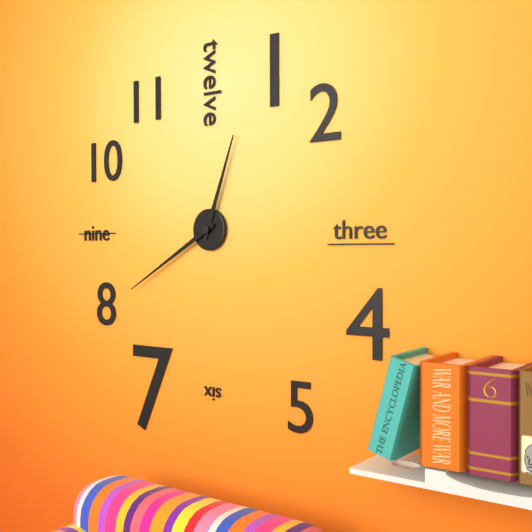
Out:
12,40
